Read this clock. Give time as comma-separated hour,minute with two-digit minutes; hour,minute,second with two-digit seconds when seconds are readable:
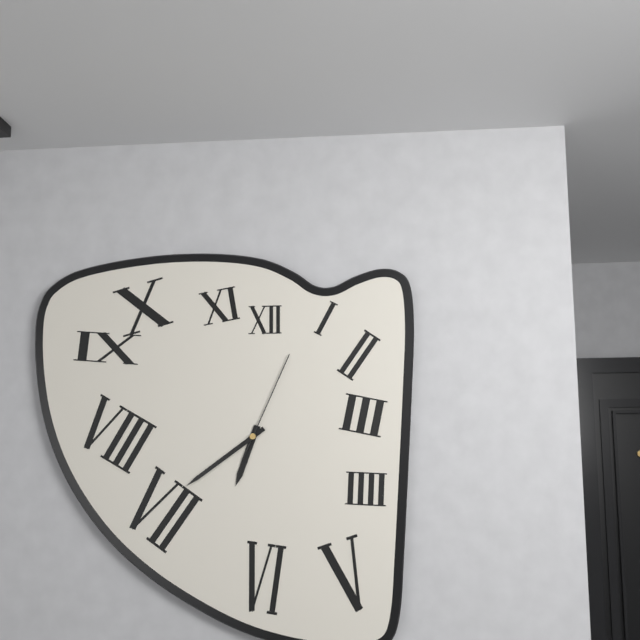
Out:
6,39,04
